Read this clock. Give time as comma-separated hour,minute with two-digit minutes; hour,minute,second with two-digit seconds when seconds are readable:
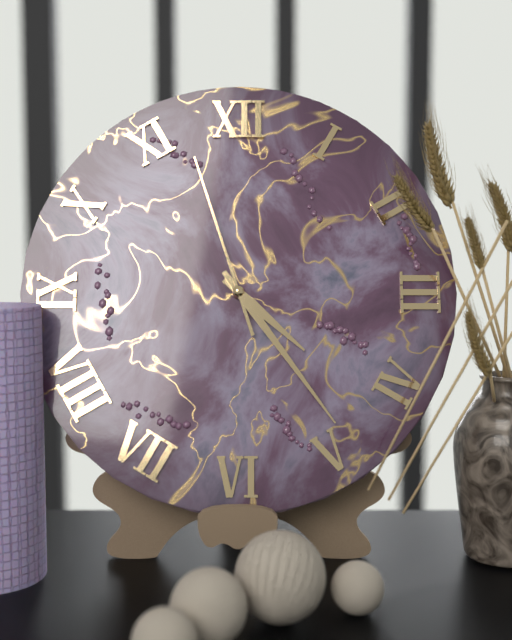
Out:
4,24,57
